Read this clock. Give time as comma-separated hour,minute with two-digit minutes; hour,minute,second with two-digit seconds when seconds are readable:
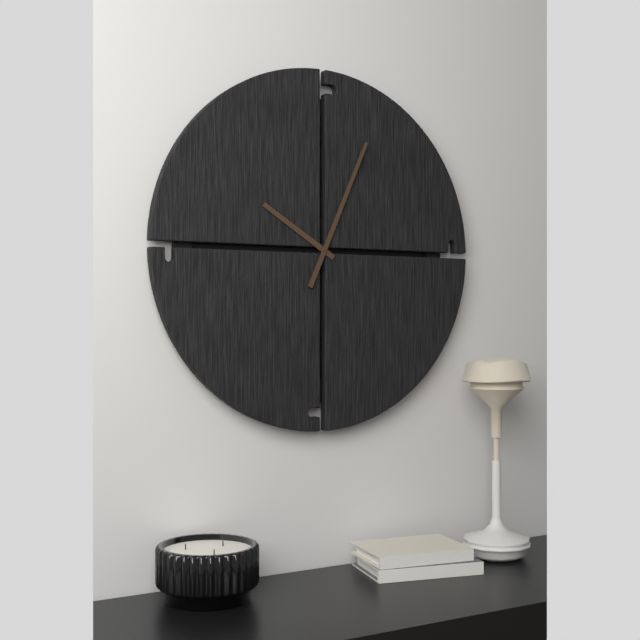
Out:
10,04
